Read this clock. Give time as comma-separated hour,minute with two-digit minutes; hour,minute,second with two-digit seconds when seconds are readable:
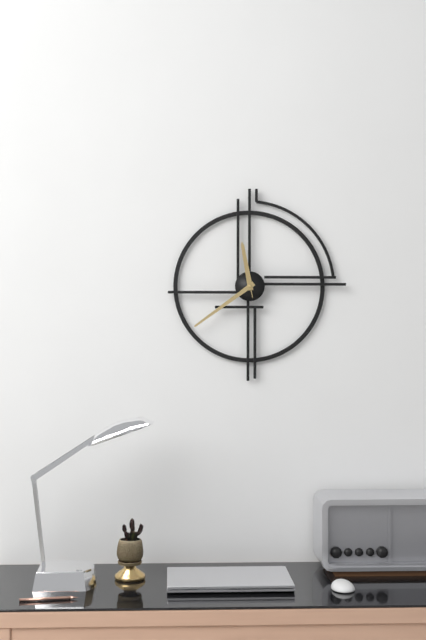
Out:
11,39,58
